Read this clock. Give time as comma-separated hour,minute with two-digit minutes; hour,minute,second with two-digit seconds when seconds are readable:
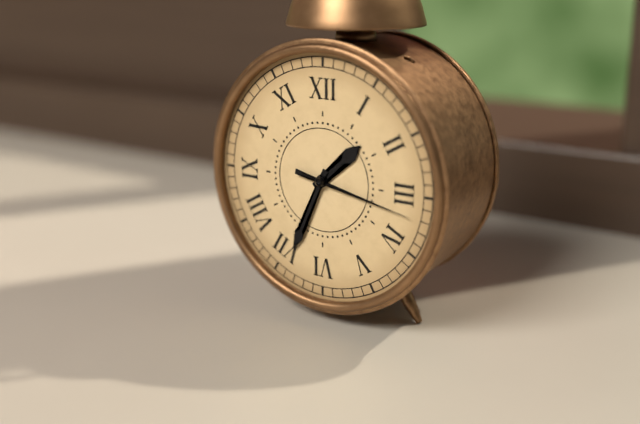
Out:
1,34,17
